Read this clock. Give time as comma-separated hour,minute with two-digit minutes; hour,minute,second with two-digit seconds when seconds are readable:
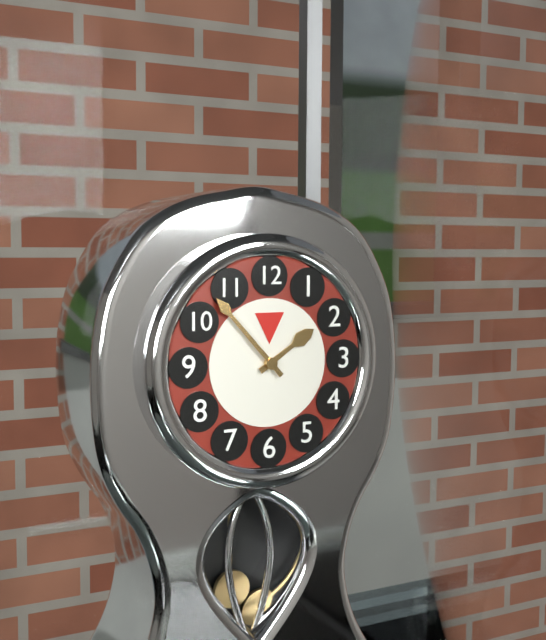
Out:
1,53
